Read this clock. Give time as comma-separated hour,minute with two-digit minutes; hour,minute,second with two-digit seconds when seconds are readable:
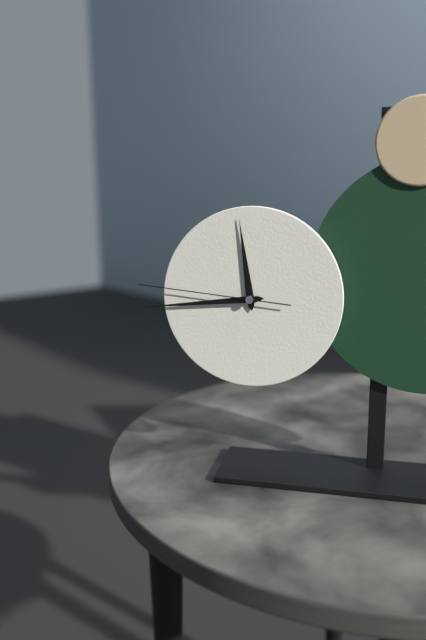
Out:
11,44,46
